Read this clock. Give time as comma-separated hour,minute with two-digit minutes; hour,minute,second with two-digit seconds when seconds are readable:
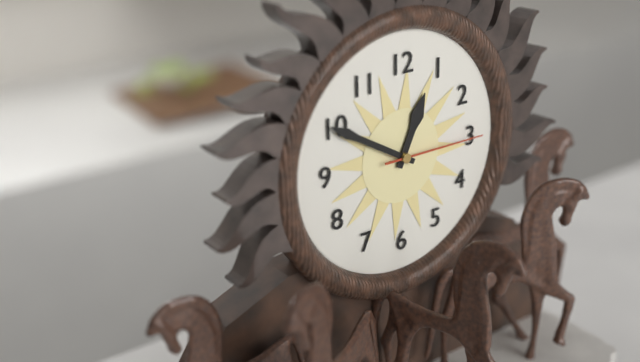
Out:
12,50,15
